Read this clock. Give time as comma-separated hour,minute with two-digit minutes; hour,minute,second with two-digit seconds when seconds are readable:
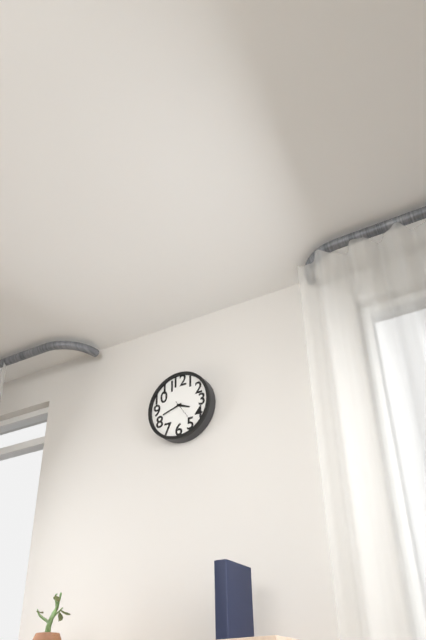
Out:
3,42
